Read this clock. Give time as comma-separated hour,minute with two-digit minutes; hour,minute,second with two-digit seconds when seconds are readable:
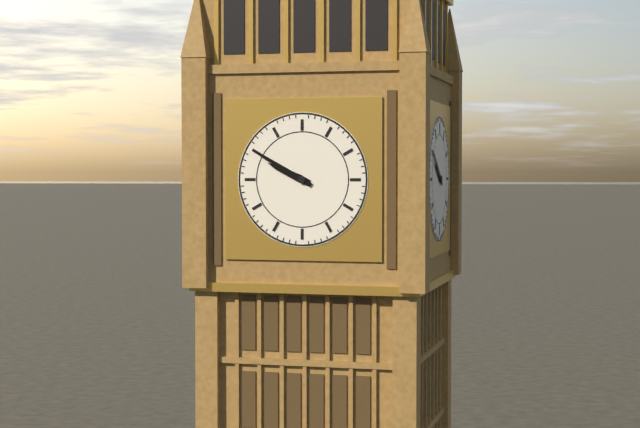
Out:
9,50
